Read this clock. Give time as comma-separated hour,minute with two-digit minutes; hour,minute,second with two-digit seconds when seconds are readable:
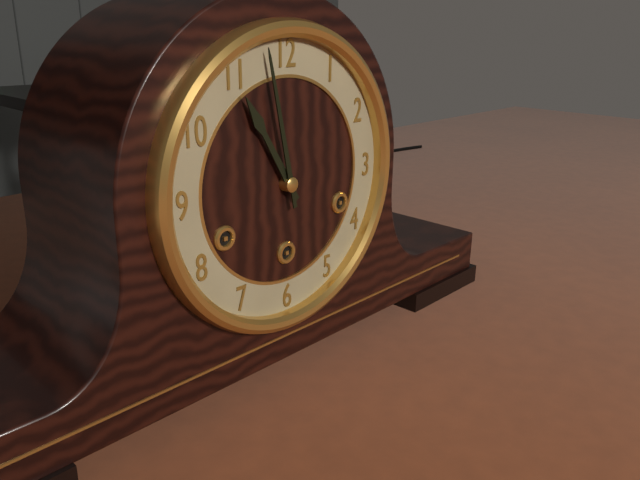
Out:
10,58
